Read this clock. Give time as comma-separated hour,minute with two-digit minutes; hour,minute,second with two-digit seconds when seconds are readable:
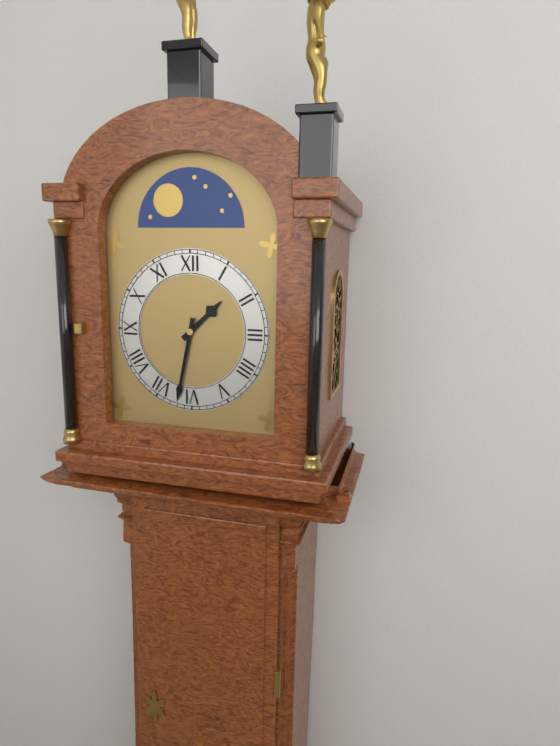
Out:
1,32
